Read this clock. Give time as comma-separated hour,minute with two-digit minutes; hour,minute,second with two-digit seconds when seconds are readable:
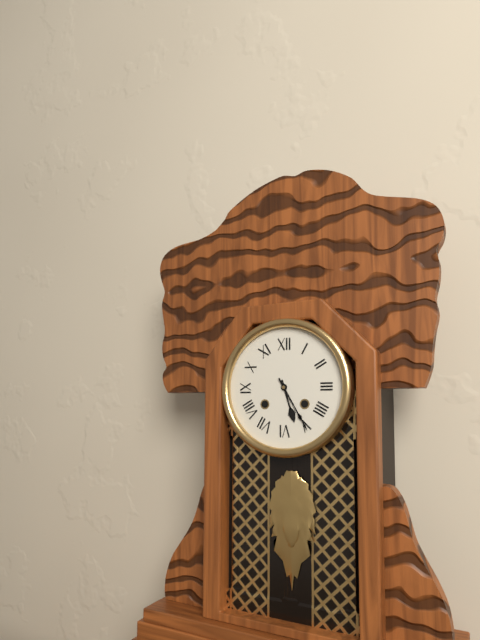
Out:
5,25
